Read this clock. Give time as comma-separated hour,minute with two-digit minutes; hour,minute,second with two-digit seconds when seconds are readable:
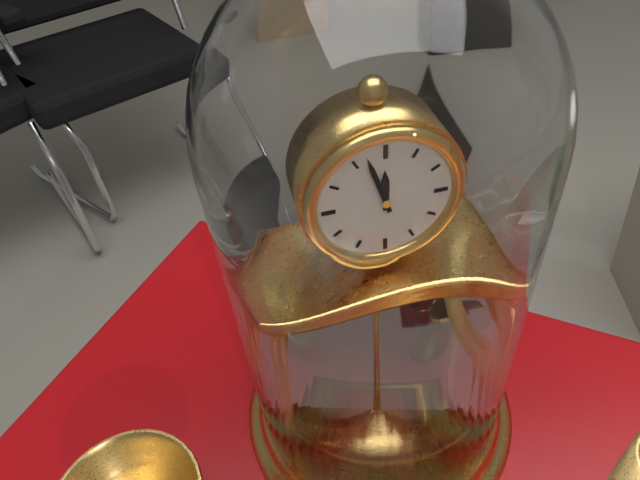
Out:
11,57
